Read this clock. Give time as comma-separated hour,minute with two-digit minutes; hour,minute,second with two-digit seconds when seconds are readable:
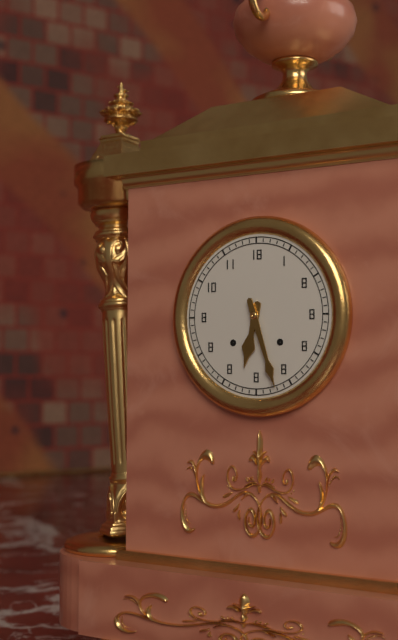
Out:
6,27
